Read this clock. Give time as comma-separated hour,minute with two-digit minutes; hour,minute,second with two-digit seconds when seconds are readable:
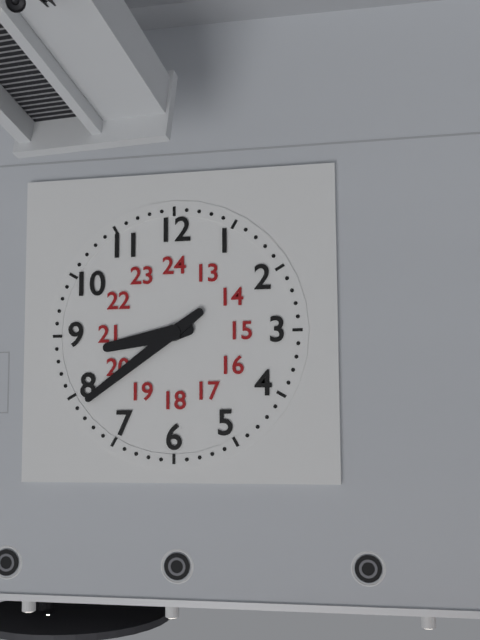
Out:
8,39
